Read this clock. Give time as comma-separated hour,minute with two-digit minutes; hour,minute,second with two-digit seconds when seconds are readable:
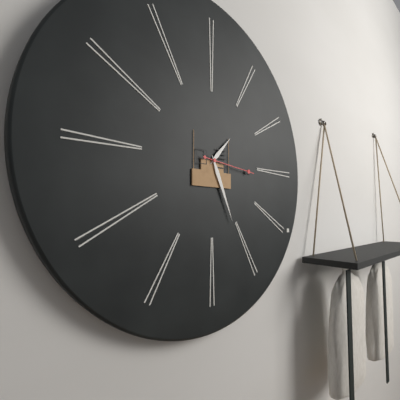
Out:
1,26,16
